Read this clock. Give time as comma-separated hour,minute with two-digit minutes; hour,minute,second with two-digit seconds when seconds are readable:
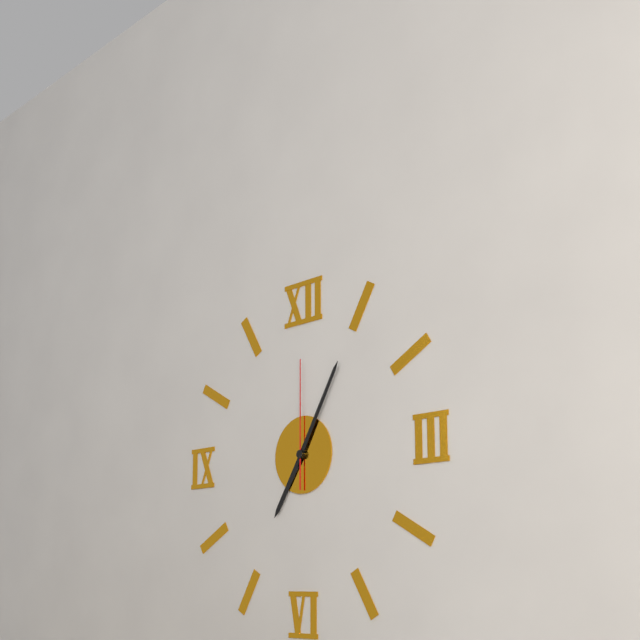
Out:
7,05,00
